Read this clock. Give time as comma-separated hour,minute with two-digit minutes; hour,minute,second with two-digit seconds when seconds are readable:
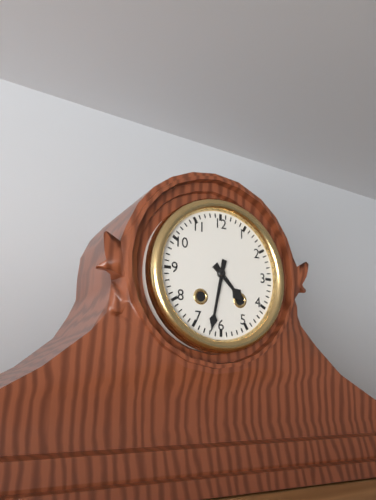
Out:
4,32
